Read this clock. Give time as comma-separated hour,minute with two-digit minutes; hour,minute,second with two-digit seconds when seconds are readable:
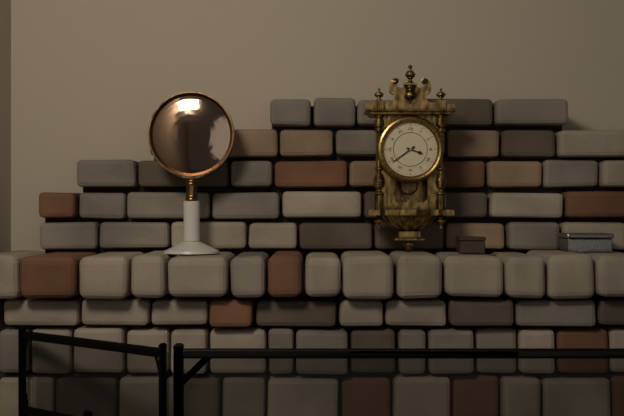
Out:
3,39
